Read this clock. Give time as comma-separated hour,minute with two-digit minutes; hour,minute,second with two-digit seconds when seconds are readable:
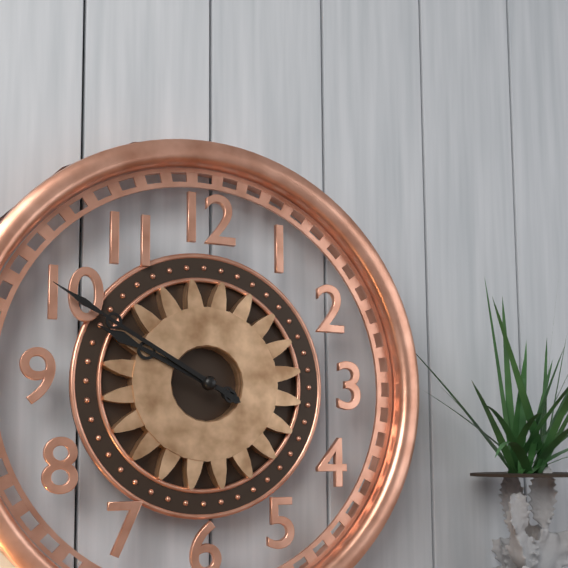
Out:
9,50
